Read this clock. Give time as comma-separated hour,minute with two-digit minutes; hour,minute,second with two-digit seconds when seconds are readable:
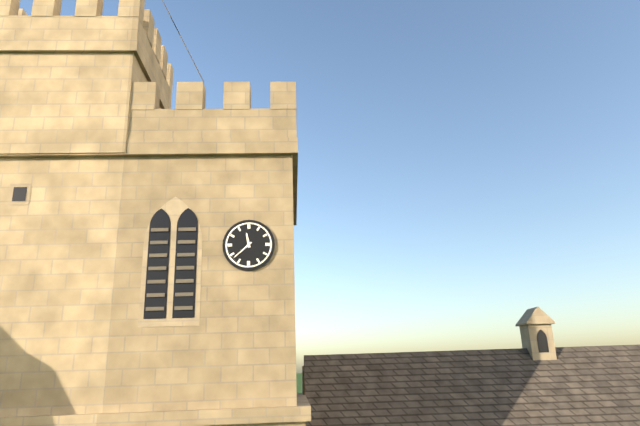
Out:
11,38
